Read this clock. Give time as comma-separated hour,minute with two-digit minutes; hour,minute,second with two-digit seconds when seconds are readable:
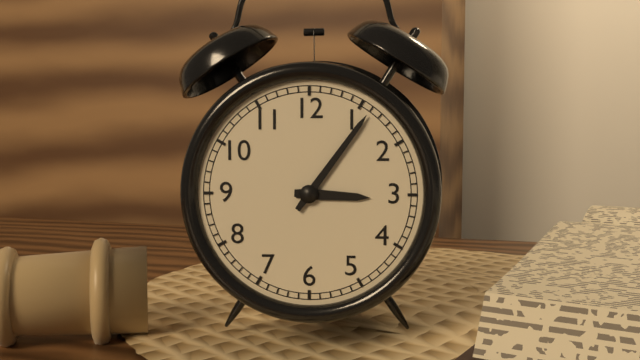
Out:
3,06
